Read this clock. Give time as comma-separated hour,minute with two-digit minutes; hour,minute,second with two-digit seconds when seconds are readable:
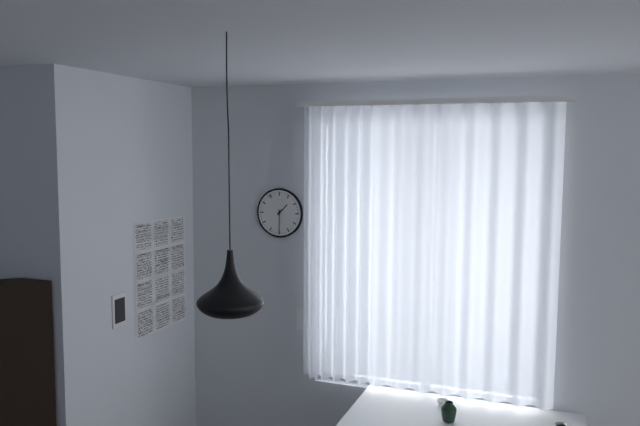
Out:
1,30
